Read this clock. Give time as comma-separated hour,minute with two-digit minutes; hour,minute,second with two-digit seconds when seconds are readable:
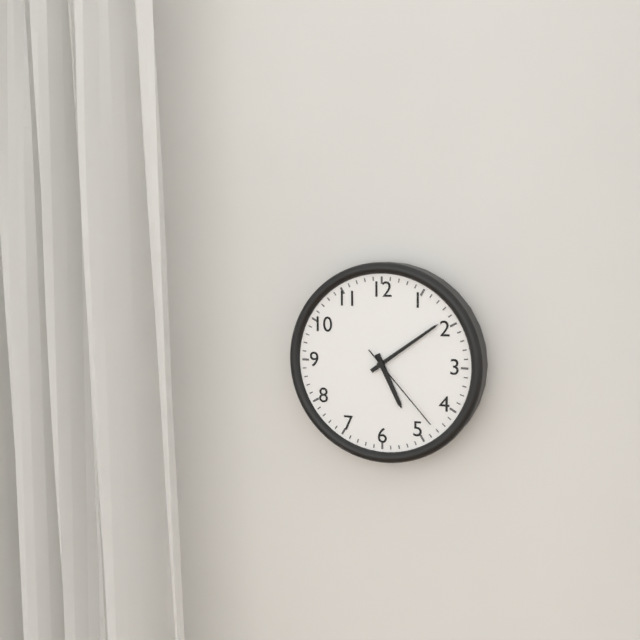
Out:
5,09,23
